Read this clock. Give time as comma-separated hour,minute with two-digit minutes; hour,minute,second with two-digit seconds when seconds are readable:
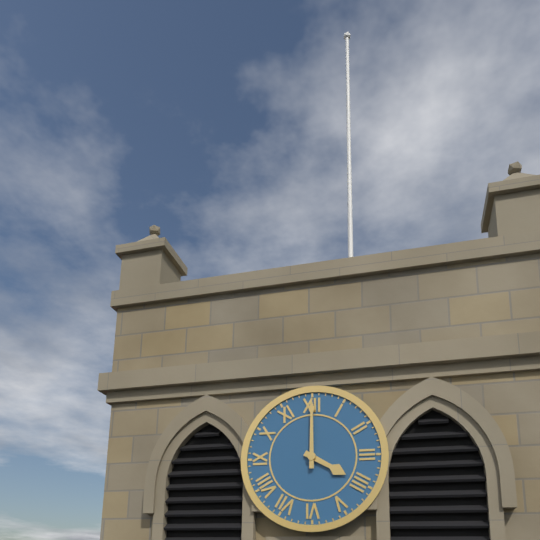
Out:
4,00
